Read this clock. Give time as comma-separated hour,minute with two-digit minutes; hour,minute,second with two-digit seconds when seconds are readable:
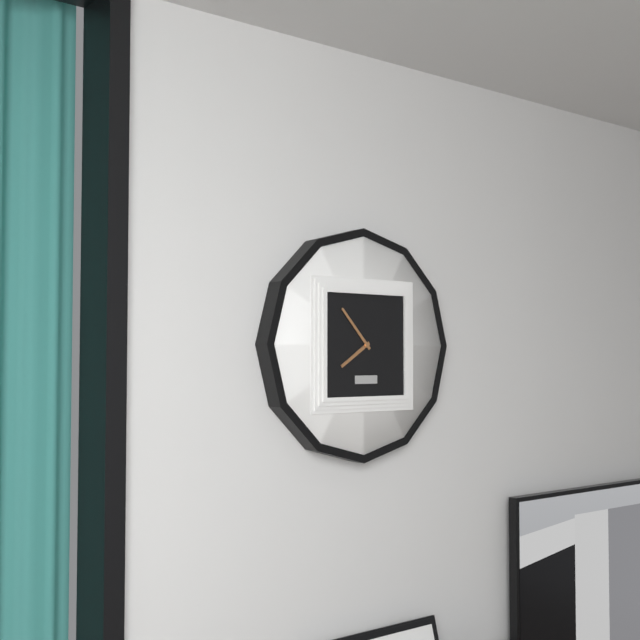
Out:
7,53
